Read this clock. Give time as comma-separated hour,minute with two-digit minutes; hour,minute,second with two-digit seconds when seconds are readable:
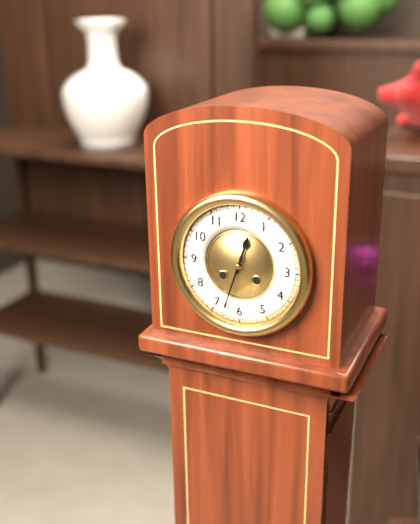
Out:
12,33
